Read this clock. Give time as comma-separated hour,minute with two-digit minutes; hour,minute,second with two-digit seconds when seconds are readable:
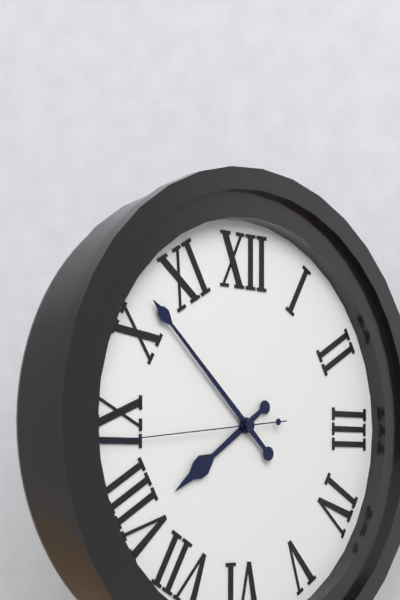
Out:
7,52,44
